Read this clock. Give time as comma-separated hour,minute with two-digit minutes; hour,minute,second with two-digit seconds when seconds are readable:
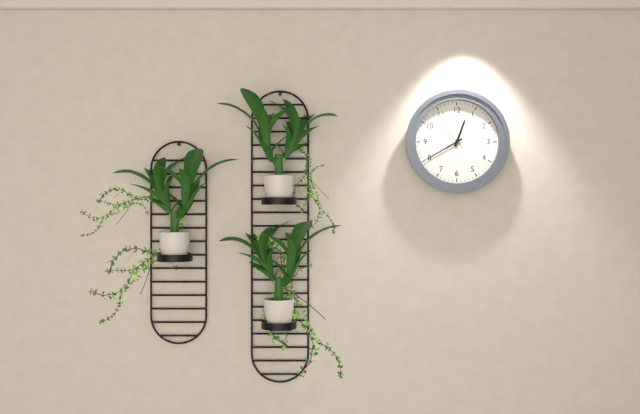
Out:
12,40
